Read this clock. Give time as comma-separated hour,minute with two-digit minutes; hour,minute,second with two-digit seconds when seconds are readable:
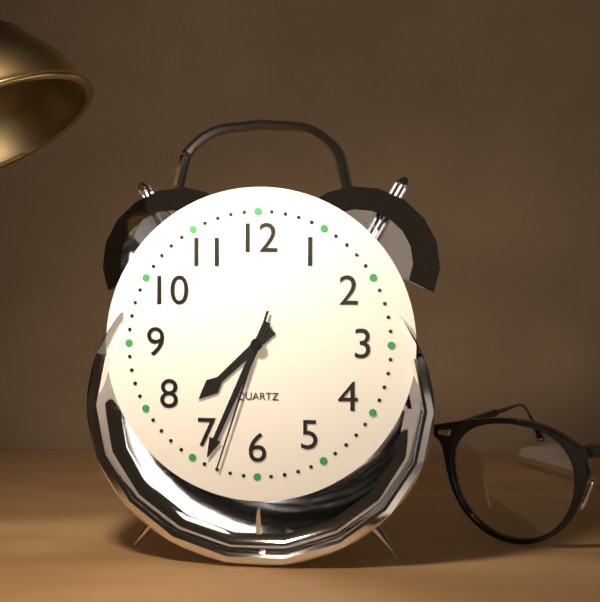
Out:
7,34,33
